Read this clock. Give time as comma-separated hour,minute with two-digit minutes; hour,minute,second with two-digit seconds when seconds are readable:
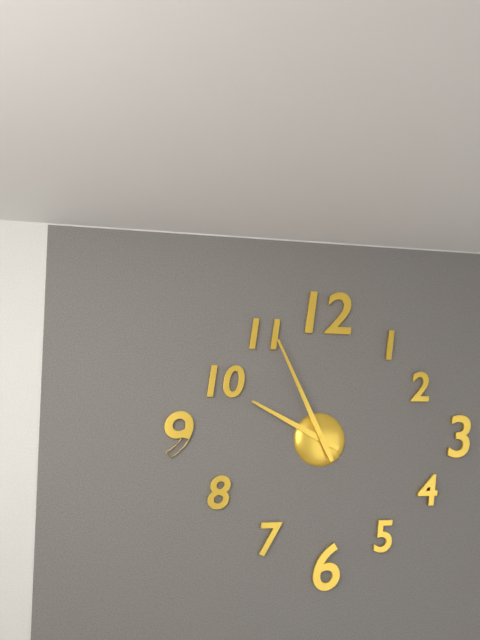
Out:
9,56
